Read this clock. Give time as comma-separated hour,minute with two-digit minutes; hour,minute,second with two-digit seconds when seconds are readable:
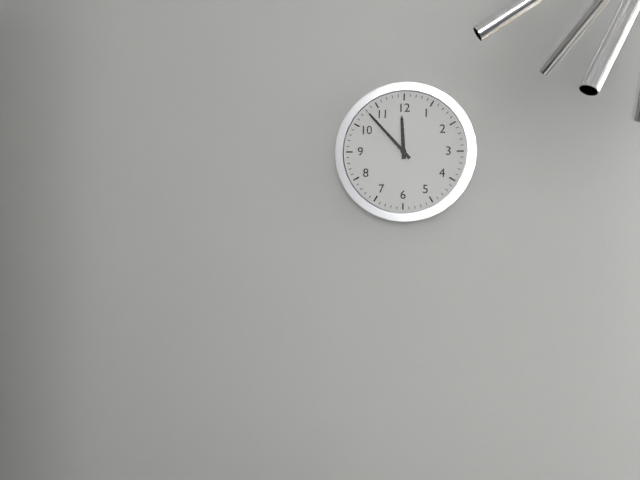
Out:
11,53
